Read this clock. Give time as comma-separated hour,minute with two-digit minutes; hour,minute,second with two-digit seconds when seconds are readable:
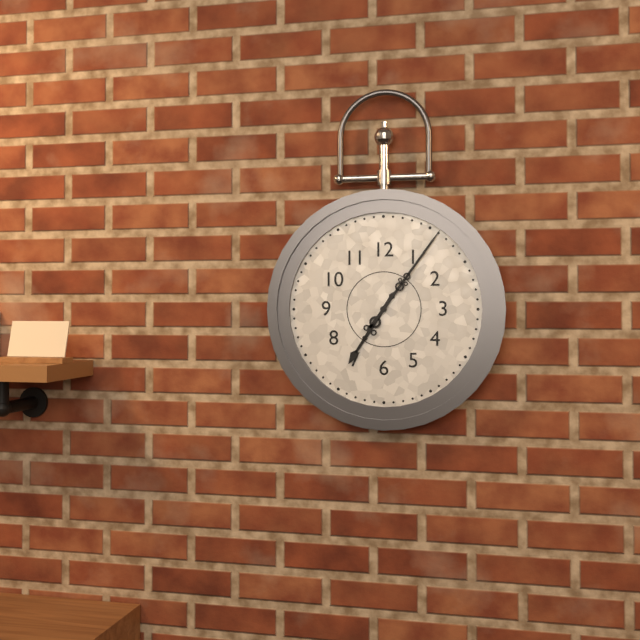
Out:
7,06
